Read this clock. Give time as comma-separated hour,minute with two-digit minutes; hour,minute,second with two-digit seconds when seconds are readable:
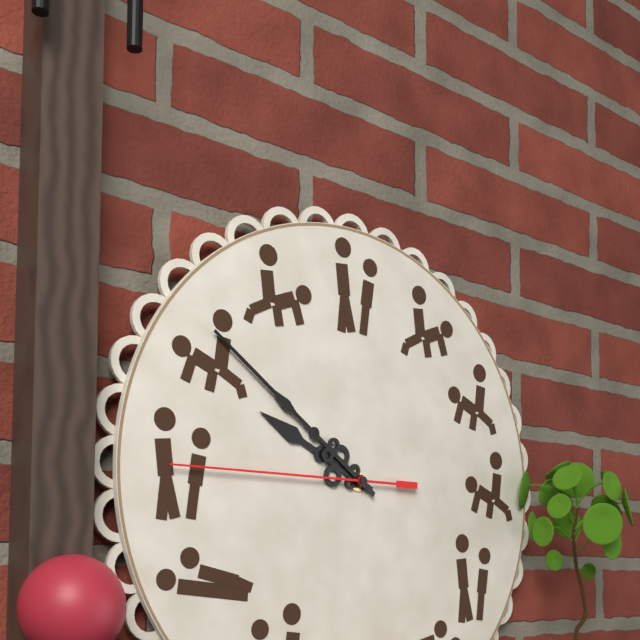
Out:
9,51,45
